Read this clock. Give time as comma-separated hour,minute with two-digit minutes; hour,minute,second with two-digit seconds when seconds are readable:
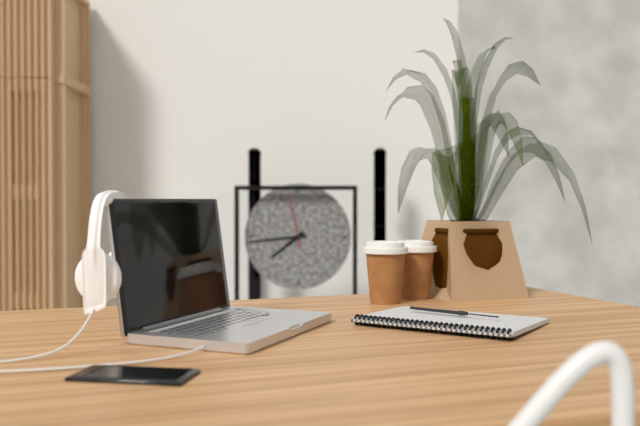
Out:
7,44,58
